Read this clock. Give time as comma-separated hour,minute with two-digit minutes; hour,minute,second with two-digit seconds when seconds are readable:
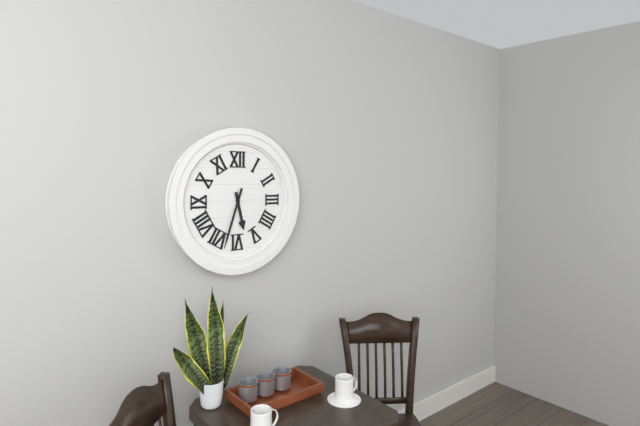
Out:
5,33
